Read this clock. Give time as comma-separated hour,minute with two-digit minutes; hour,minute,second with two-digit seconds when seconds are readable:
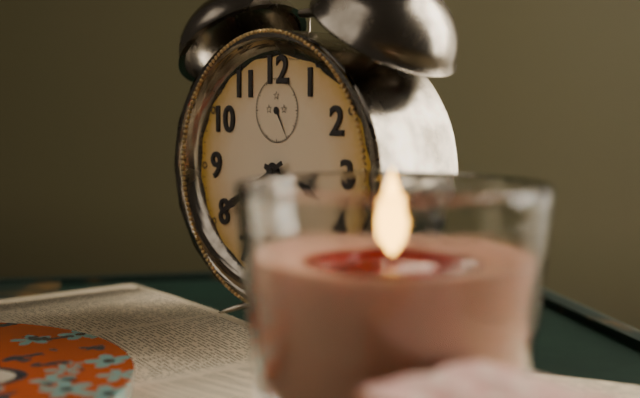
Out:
3,40
